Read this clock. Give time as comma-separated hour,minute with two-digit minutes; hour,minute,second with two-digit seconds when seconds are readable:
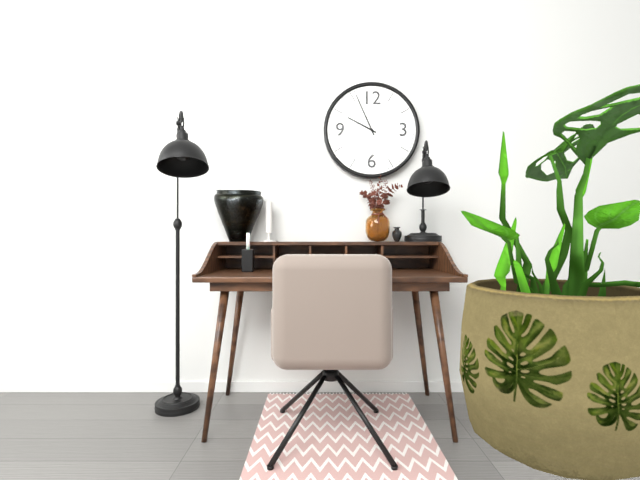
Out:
9,56
